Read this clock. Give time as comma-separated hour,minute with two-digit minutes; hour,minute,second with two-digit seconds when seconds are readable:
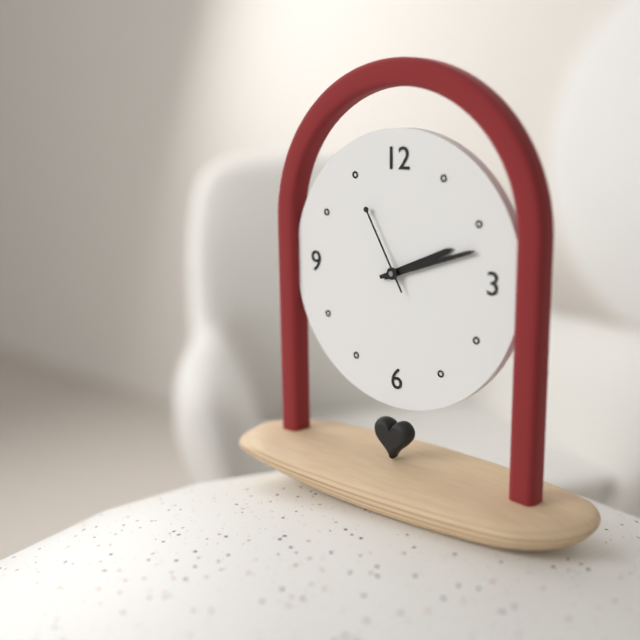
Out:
2,12,55
